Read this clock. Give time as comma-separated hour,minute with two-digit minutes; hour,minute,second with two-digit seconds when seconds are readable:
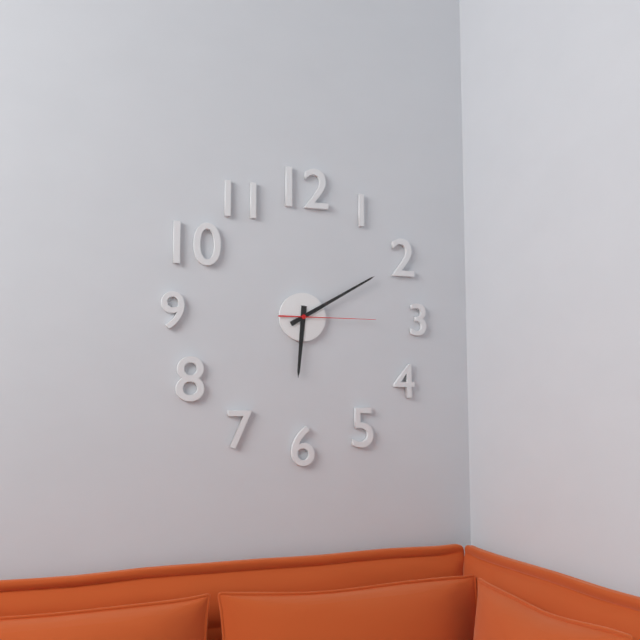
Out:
6,10,15
